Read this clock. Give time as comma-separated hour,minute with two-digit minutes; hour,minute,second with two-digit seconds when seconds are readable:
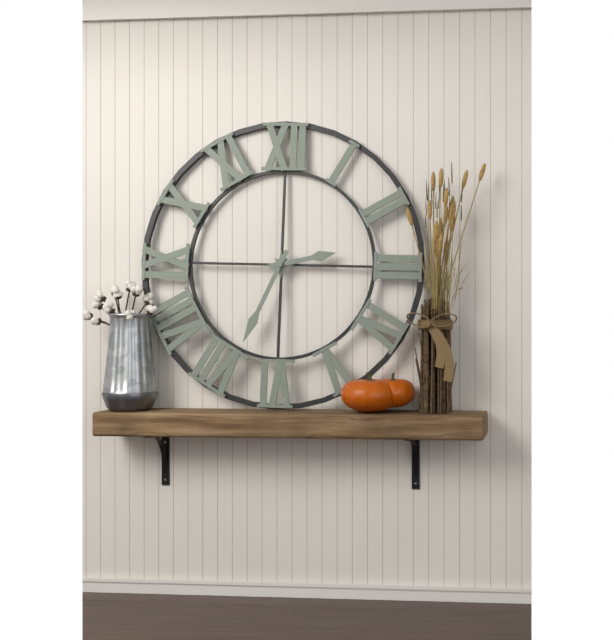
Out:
2,34
